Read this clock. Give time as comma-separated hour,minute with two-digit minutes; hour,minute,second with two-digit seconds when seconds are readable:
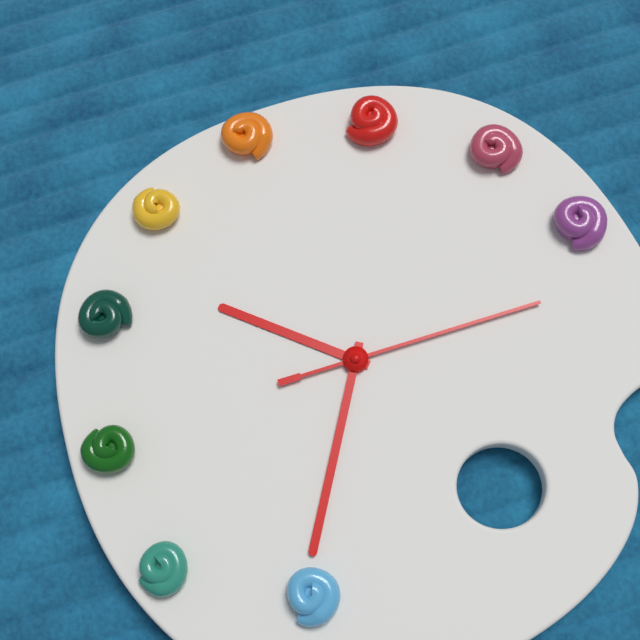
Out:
7,20,00
